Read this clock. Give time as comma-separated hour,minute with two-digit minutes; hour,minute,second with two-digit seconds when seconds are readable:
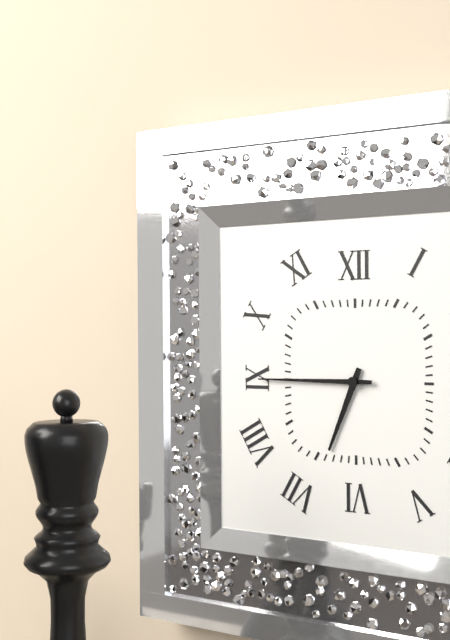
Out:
6,45
